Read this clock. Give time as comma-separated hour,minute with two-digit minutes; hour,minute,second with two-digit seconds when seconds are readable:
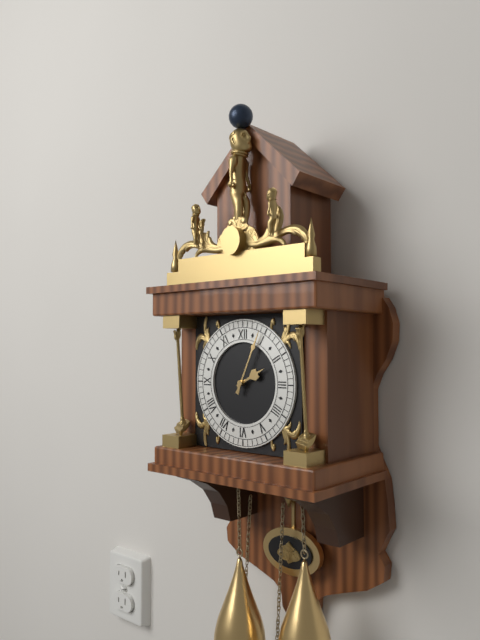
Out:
2,04
